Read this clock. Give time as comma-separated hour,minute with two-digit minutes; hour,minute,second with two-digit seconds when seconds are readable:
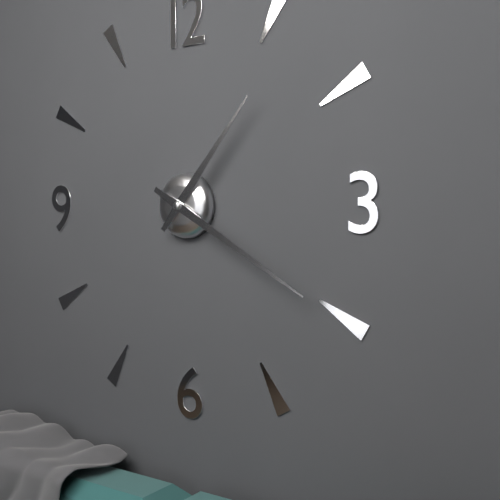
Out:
1,20
